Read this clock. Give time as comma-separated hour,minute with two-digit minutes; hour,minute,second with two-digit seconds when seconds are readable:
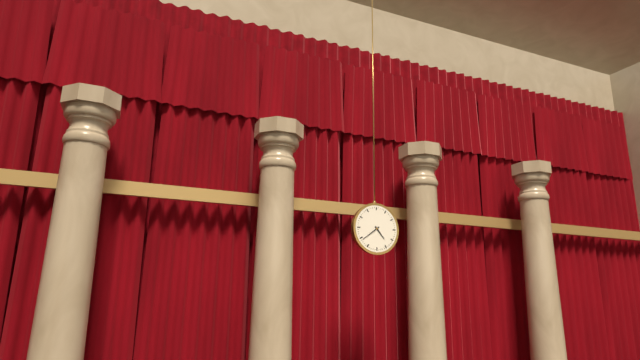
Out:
4,39
